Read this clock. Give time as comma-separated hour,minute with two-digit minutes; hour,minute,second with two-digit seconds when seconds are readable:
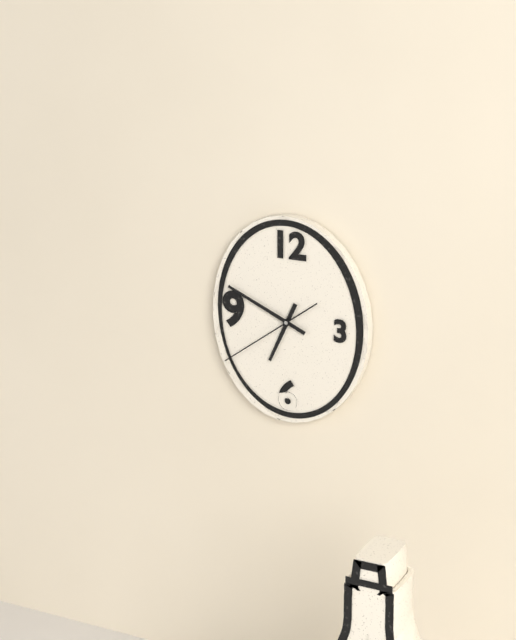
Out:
6,49,39
